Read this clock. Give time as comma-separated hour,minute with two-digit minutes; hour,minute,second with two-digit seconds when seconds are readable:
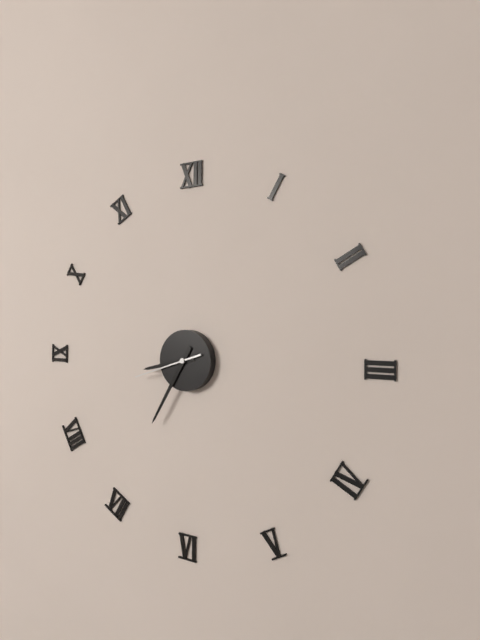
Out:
8,35,42
